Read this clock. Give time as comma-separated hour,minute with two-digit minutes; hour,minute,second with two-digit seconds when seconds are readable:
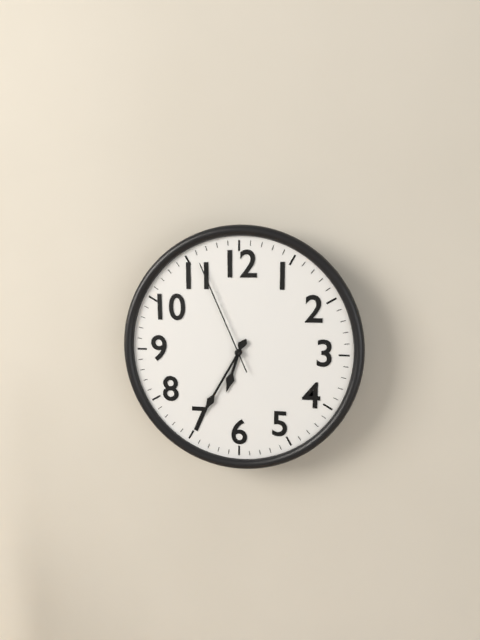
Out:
6,35,56
